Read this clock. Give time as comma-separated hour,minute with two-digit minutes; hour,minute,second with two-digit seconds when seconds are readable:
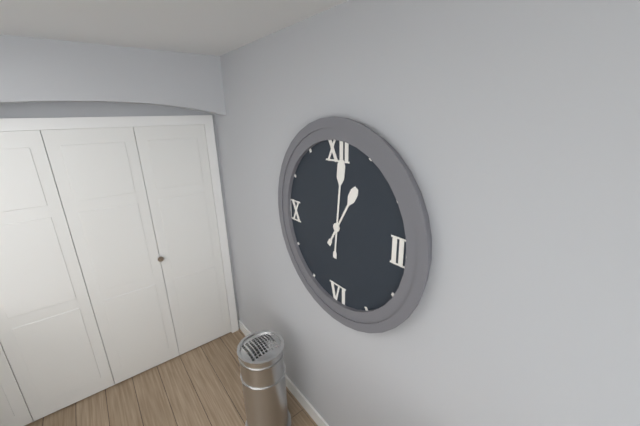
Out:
1,01
